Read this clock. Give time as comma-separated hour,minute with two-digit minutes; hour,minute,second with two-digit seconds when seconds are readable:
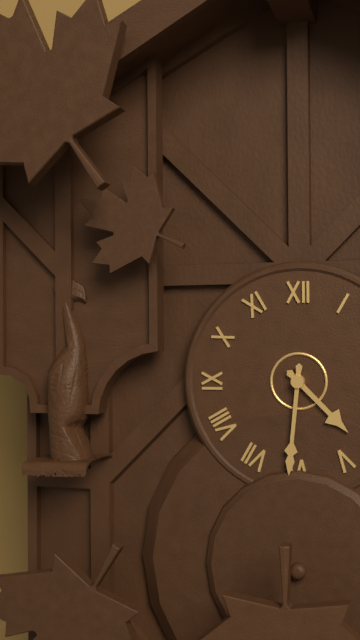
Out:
4,31
